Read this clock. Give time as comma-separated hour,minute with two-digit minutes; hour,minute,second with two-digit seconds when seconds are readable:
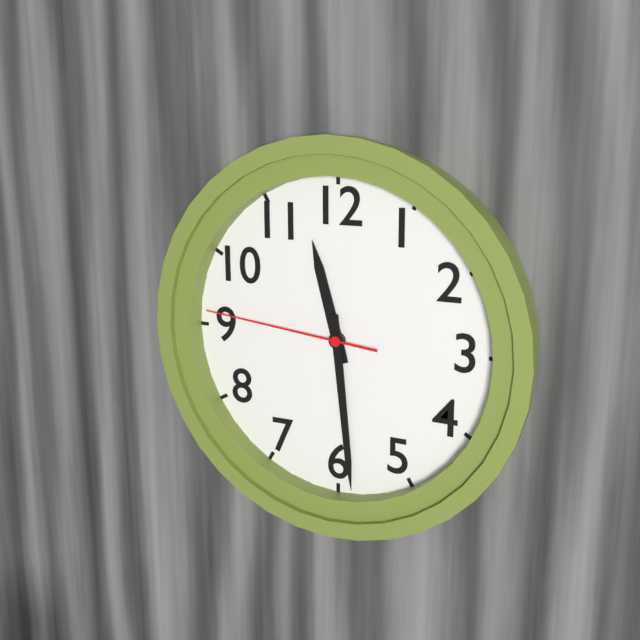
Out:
11,29,46
